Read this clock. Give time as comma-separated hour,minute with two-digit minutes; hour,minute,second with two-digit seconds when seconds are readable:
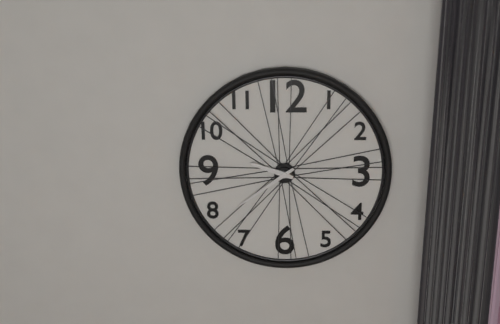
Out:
9,39
